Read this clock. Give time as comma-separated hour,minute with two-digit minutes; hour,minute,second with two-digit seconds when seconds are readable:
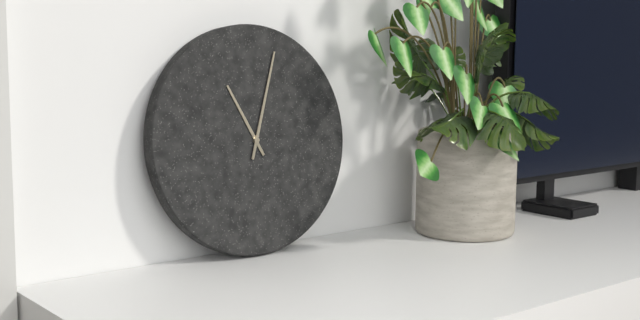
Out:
11,03
